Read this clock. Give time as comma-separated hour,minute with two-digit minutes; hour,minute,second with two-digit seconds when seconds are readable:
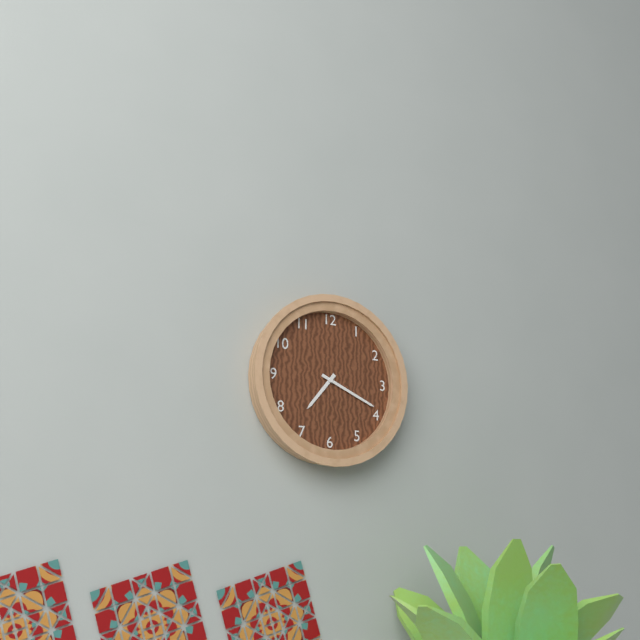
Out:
7,19
